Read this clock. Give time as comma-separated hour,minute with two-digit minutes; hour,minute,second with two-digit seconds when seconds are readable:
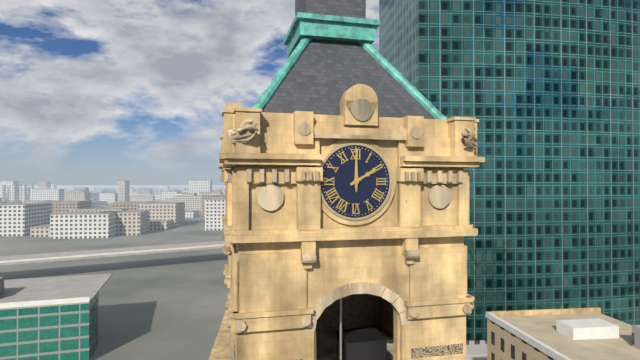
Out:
2,00
